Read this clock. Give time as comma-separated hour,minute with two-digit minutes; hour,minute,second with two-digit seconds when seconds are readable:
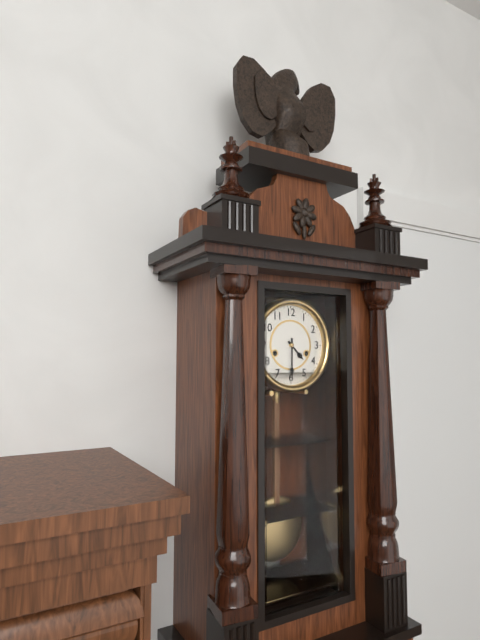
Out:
4,30
